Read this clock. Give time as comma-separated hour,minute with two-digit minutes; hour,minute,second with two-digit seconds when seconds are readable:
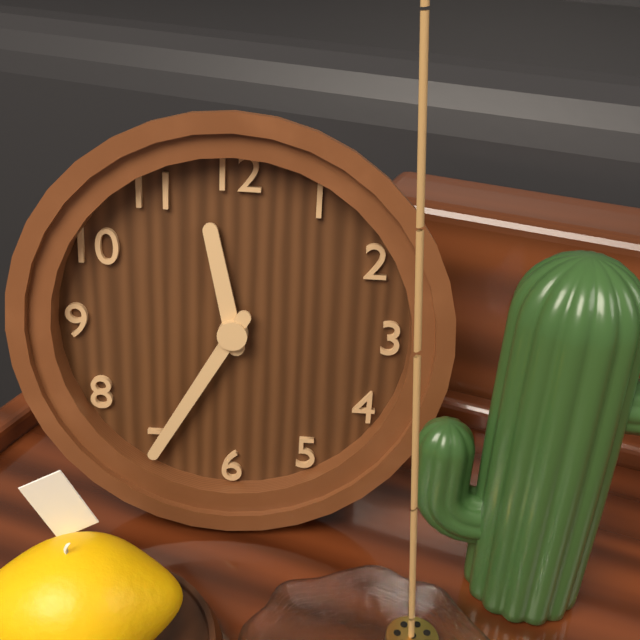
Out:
11,35
